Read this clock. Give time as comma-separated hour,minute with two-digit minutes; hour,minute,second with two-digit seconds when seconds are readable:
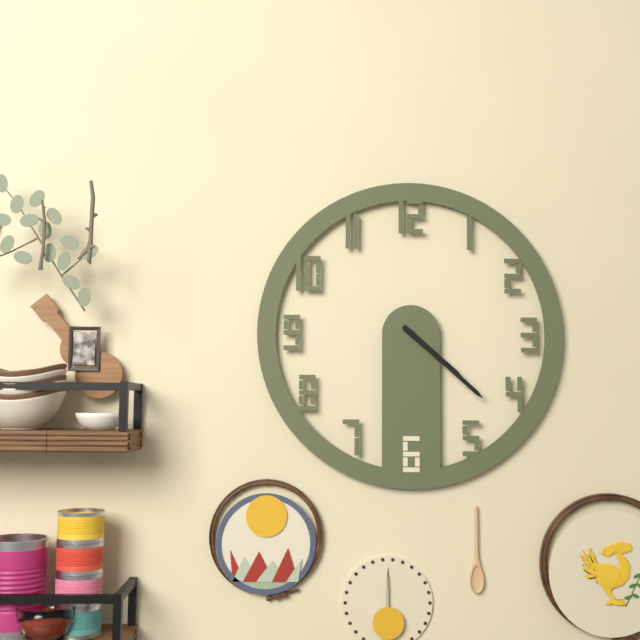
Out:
4,22
